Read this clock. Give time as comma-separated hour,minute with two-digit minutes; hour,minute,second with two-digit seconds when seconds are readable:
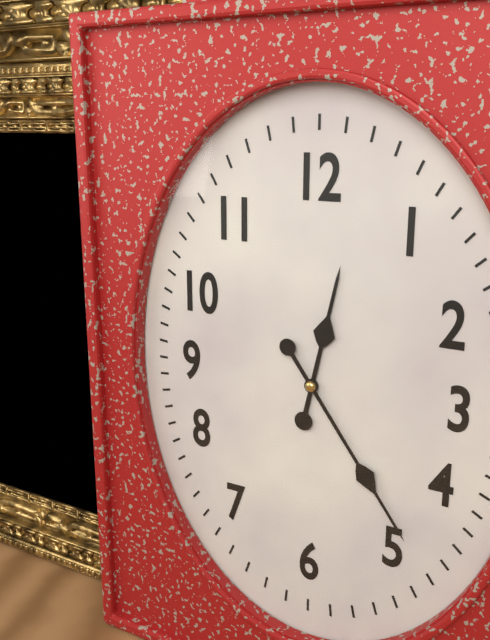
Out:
12,24
